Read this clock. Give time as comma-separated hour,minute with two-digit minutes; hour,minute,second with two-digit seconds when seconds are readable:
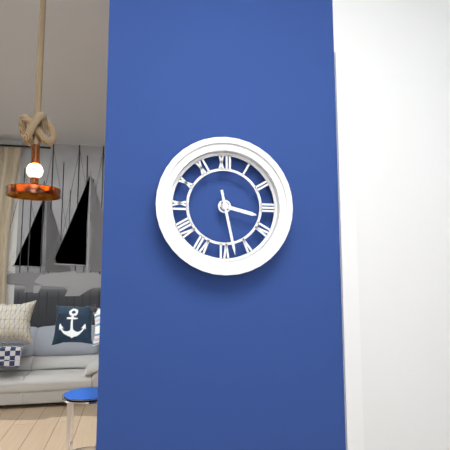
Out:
3,28
